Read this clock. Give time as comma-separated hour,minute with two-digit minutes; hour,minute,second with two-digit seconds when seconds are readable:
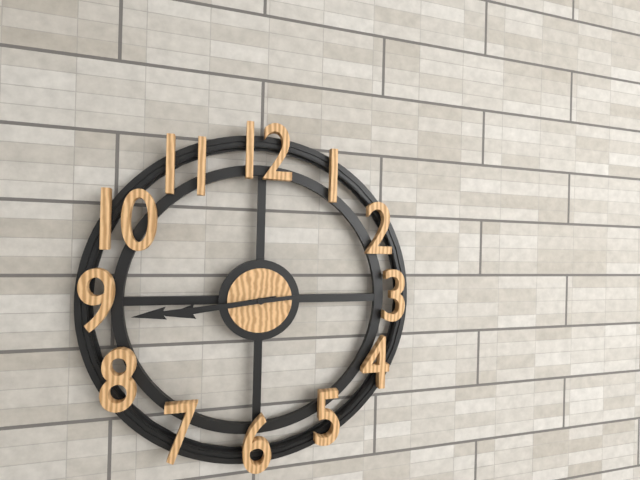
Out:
8,44
